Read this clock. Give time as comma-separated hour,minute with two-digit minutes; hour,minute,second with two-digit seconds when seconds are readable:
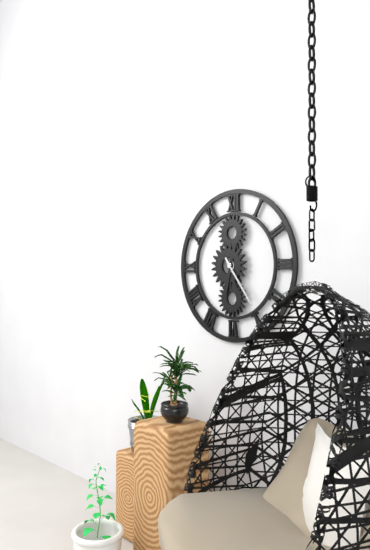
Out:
6,24
